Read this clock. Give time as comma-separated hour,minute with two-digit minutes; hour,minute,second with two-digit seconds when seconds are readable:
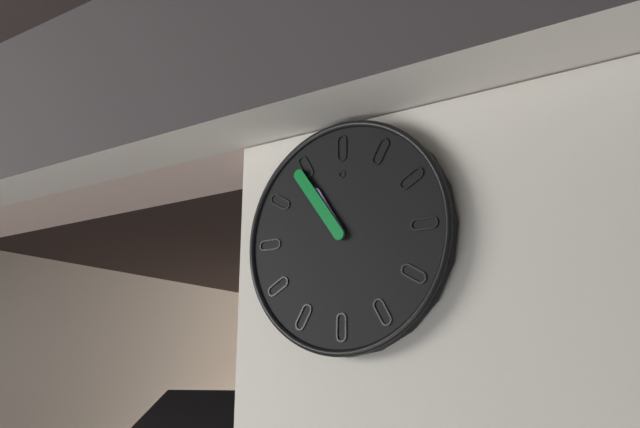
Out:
10,54
